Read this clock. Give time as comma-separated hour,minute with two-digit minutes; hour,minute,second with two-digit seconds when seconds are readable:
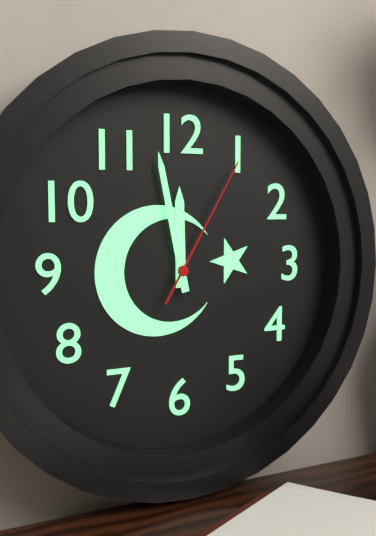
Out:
11,58,05
